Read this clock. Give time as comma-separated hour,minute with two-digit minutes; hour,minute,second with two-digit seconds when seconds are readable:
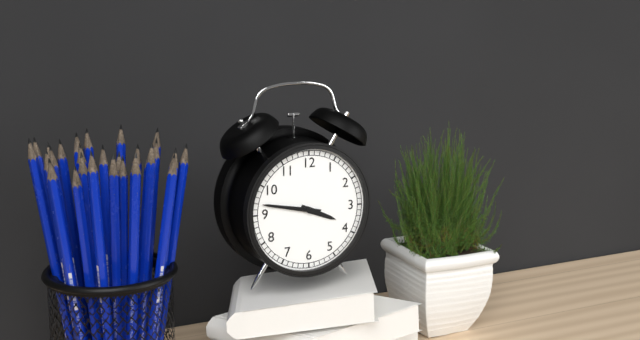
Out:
3,47
